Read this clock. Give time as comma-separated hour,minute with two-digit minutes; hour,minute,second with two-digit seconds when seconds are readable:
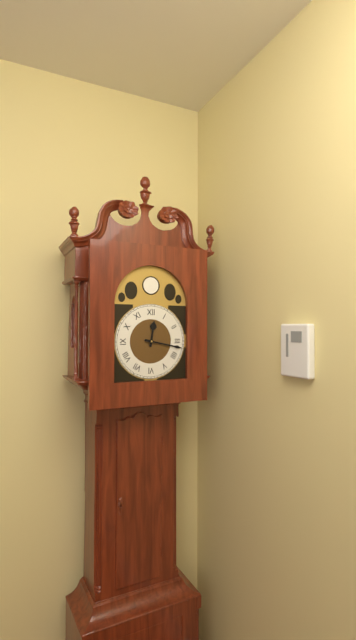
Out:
12,17
